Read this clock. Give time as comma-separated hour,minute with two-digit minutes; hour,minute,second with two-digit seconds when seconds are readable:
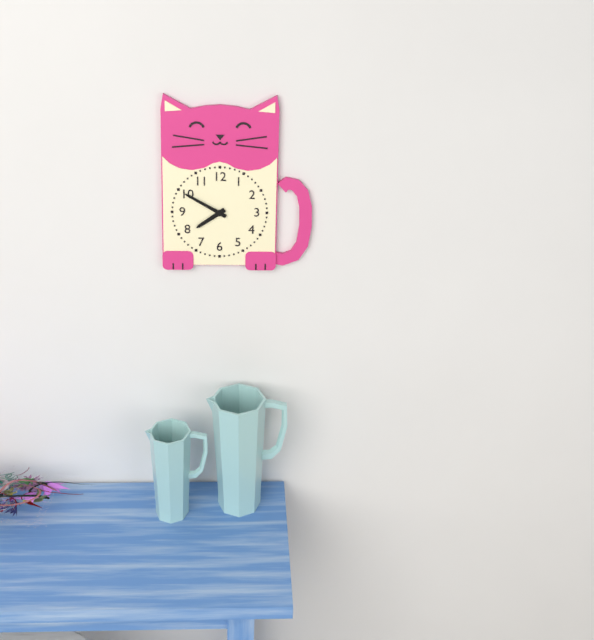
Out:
7,50
